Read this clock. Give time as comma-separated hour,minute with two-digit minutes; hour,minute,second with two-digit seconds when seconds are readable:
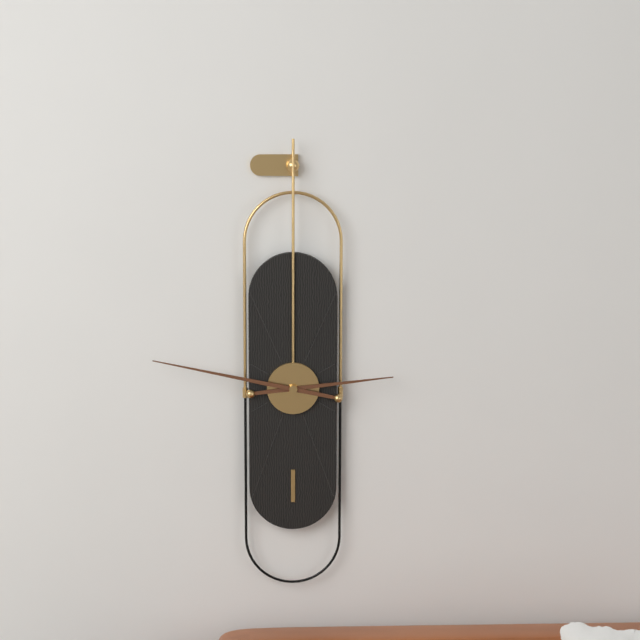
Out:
2,47
